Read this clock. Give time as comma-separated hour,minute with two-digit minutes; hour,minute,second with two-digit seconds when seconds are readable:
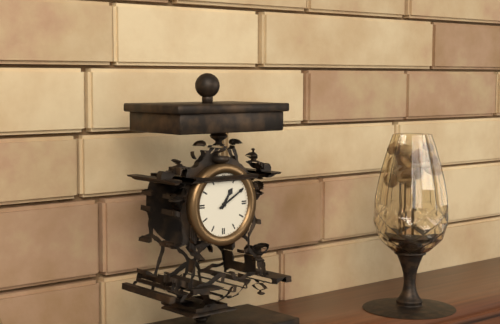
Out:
1,10
